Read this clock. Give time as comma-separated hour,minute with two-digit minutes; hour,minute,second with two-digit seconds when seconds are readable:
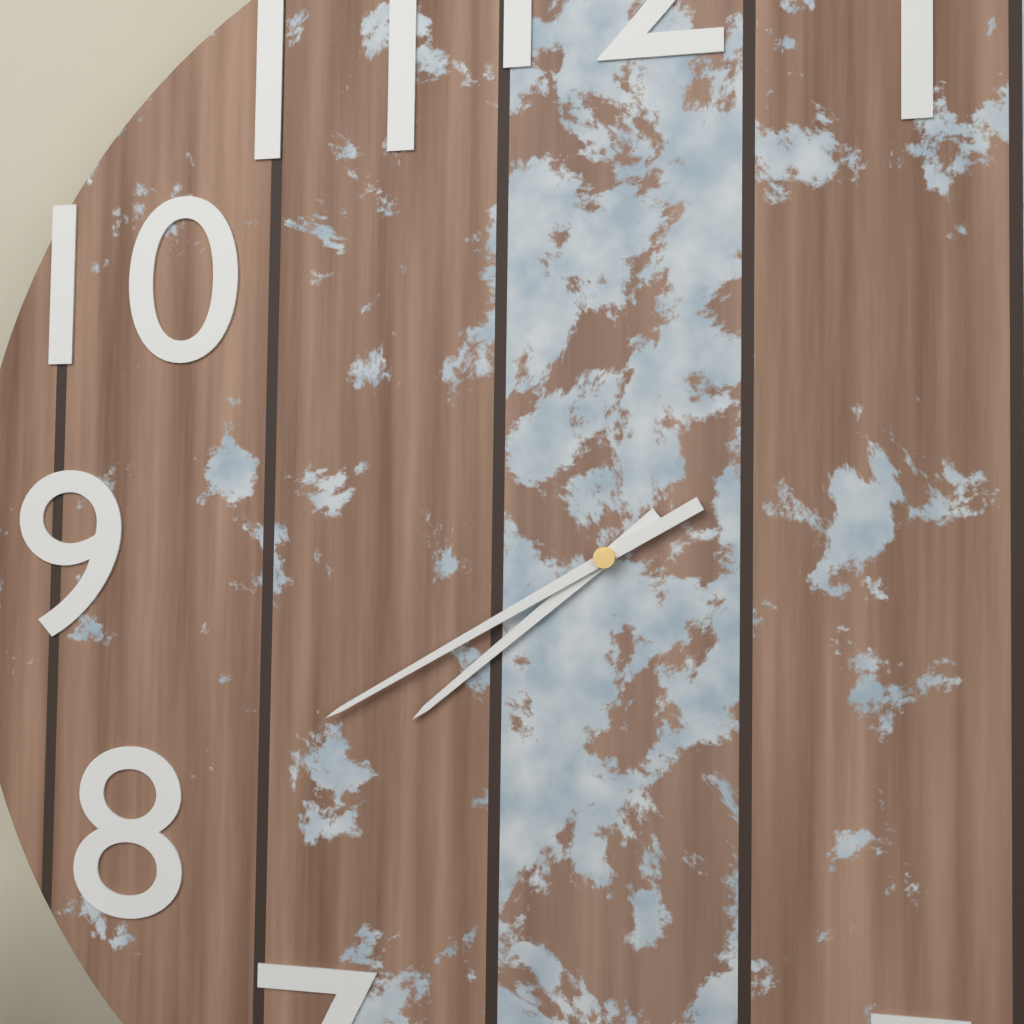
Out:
7,40
